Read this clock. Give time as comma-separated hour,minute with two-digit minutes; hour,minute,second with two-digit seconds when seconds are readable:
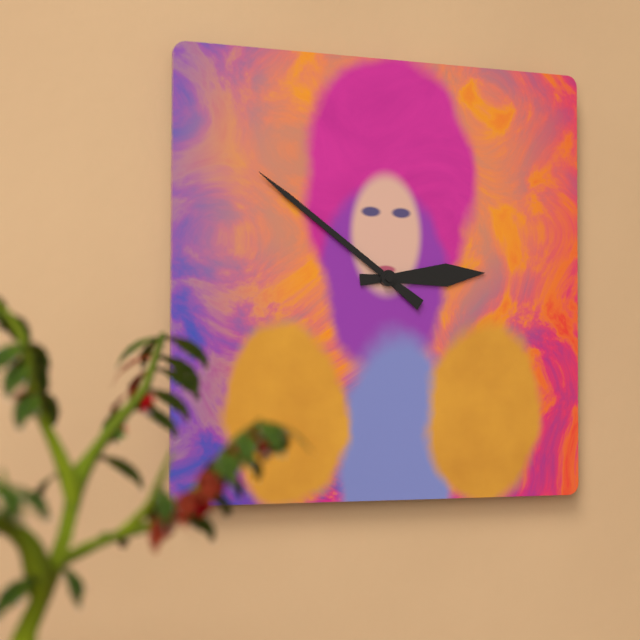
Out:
2,51
